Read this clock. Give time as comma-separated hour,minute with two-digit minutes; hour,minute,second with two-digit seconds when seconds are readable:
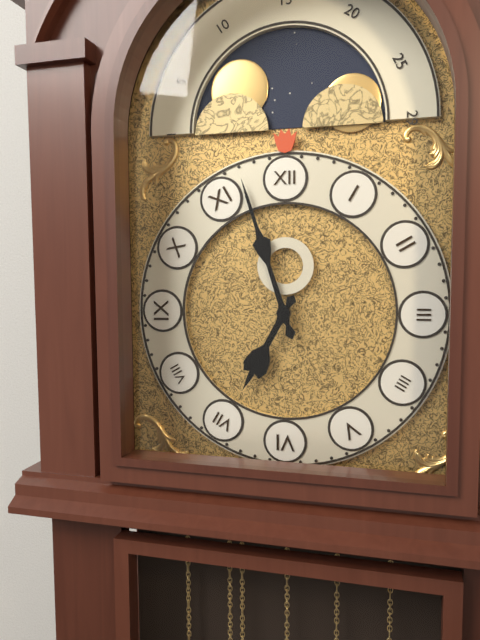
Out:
6,57
